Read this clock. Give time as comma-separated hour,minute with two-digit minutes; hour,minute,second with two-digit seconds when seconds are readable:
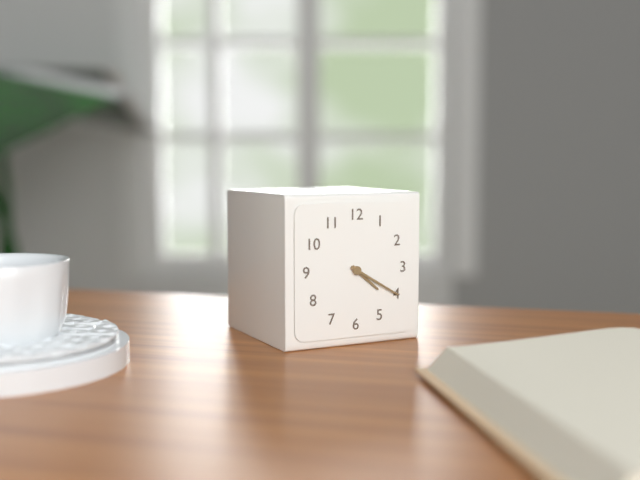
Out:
4,20
